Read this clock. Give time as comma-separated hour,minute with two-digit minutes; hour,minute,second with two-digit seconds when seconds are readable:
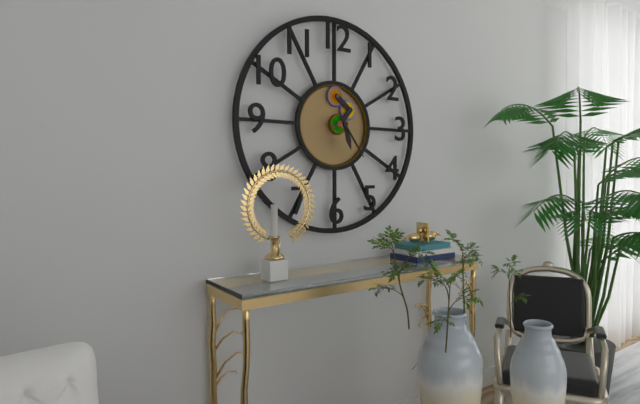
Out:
5,24
